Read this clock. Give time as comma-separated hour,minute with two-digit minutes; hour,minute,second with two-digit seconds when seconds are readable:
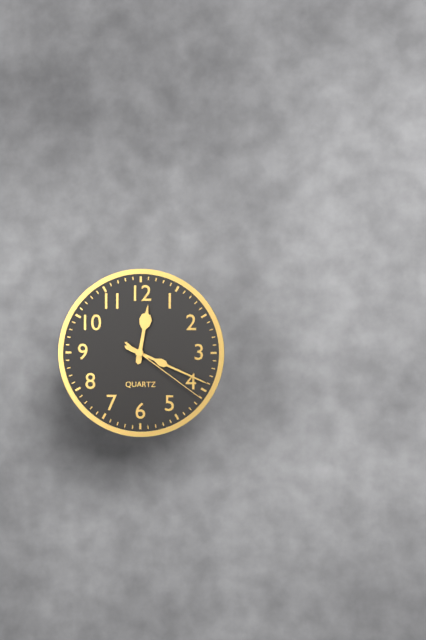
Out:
12,19,21
